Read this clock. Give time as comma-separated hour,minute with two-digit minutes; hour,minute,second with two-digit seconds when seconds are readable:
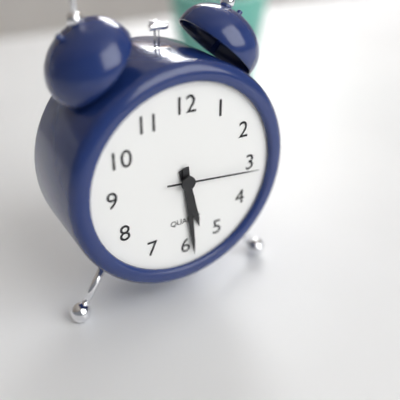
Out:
5,29,16
